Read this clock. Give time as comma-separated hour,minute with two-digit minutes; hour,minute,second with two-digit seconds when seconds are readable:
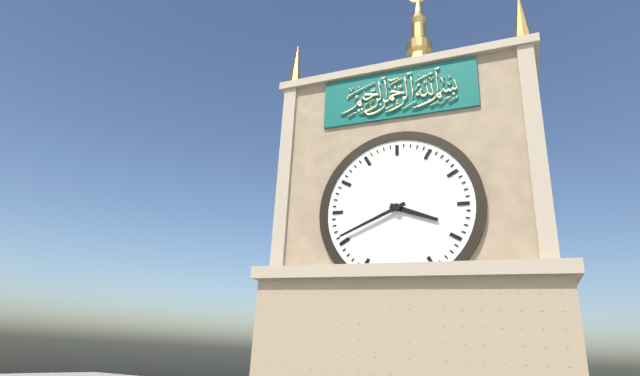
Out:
3,41
